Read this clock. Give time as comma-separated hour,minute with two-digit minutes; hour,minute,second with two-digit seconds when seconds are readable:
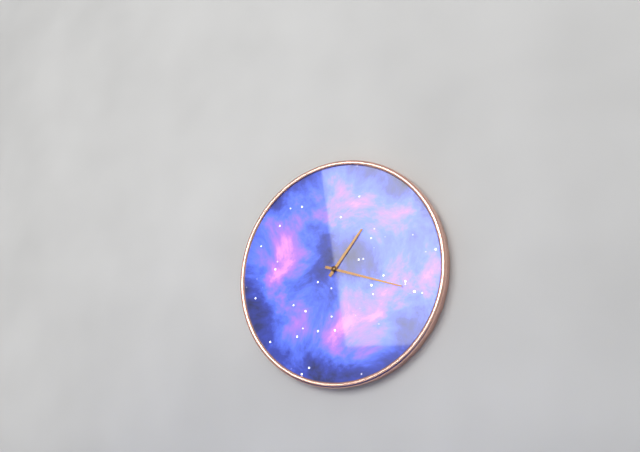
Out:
1,18
